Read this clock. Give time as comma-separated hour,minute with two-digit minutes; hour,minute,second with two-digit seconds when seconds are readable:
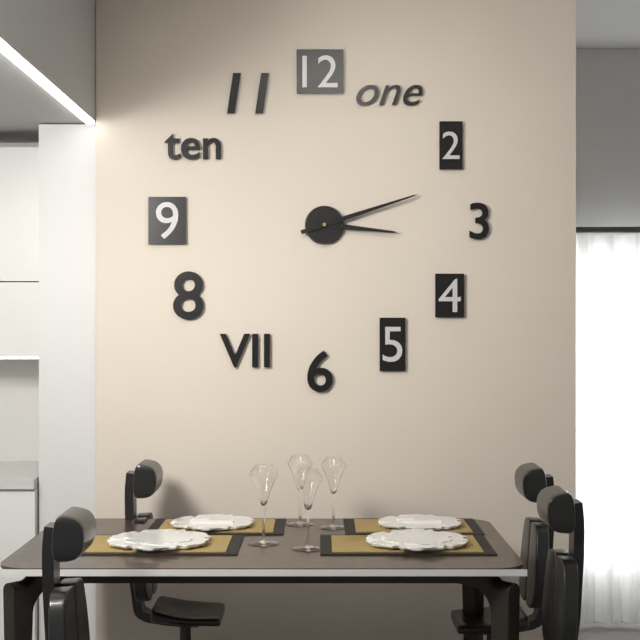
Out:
3,12
